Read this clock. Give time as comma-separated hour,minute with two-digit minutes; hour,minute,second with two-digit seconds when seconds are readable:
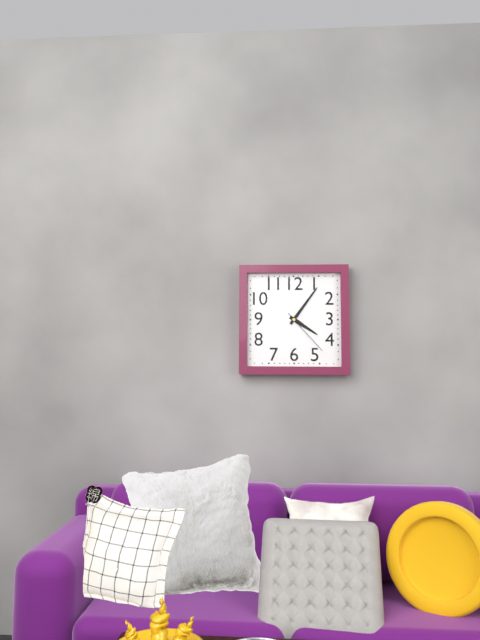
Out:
4,06,23
